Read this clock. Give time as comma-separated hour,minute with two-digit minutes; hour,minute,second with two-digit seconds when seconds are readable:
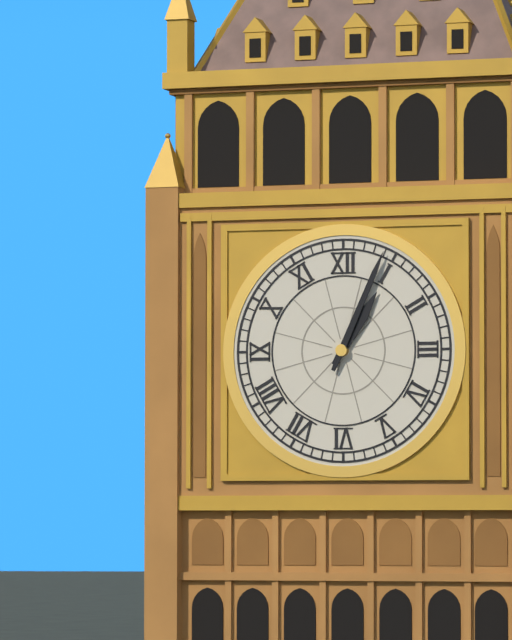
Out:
1,04
